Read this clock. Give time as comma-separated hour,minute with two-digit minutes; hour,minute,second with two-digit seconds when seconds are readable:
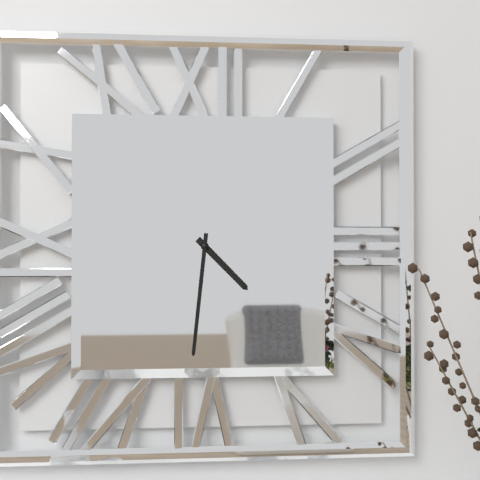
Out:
4,31
